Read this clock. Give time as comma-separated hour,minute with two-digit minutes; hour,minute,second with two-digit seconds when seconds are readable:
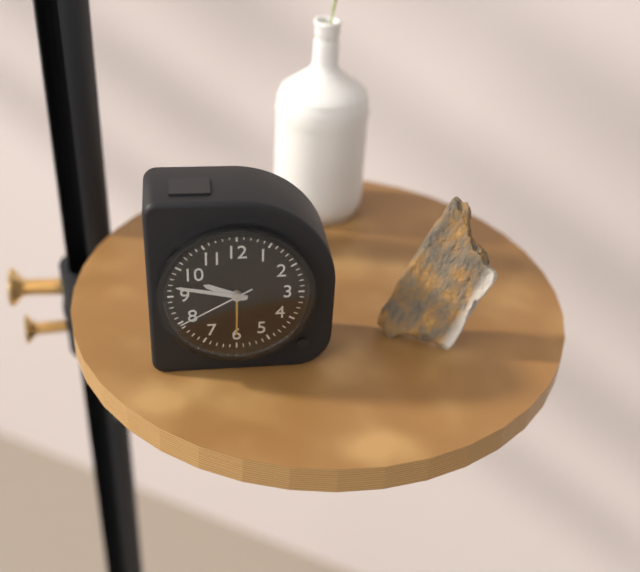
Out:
9,47,40
